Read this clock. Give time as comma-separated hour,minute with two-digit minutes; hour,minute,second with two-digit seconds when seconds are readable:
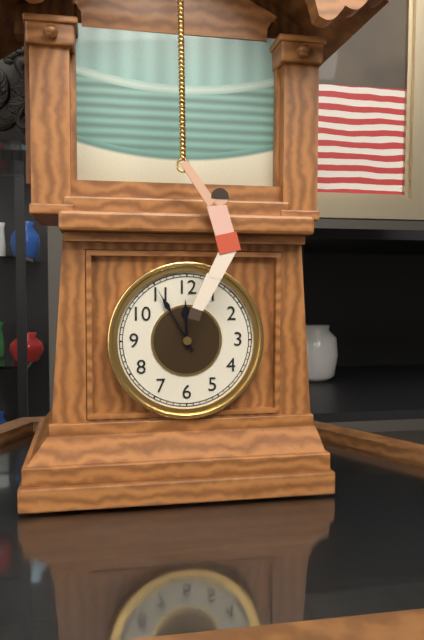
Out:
11,55
